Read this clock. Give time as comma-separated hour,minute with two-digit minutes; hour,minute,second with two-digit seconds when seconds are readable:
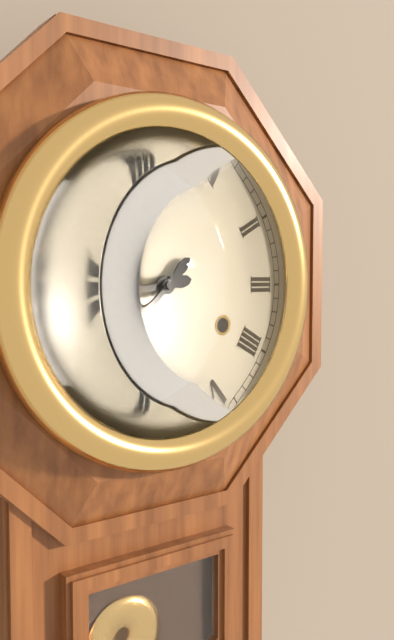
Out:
8,37
